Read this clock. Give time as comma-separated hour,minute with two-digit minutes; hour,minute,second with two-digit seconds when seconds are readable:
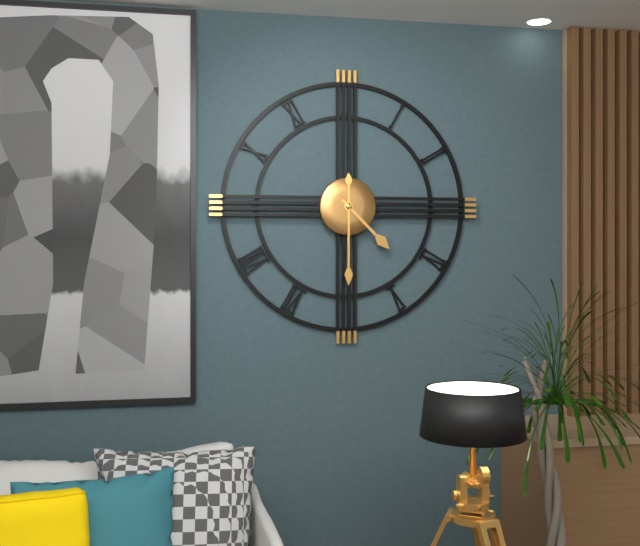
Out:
4,30
